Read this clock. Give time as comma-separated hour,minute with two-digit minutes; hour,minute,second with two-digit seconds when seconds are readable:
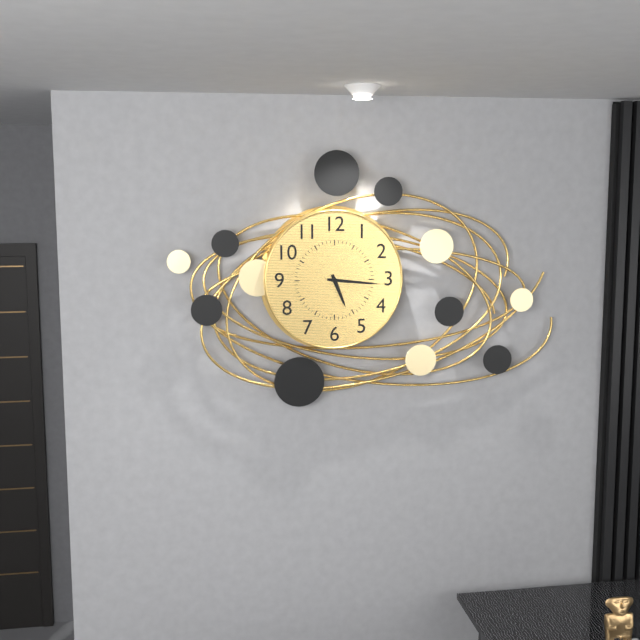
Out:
5,16
